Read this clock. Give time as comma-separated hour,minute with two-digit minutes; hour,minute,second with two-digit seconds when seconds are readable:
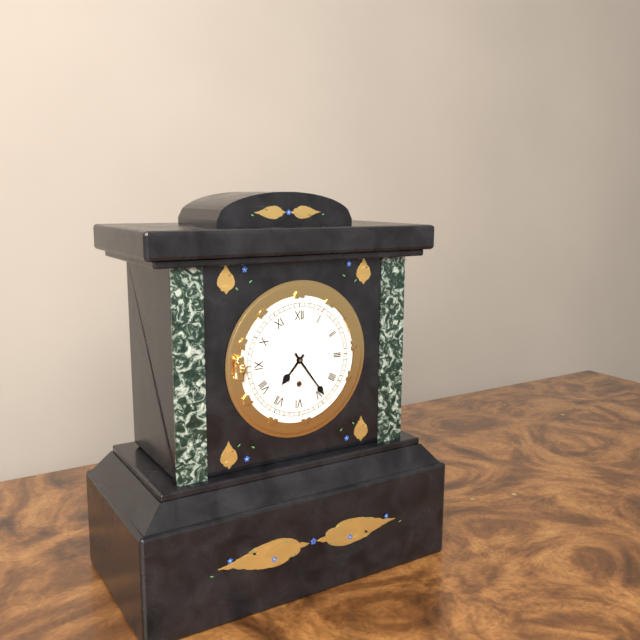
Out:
7,24
